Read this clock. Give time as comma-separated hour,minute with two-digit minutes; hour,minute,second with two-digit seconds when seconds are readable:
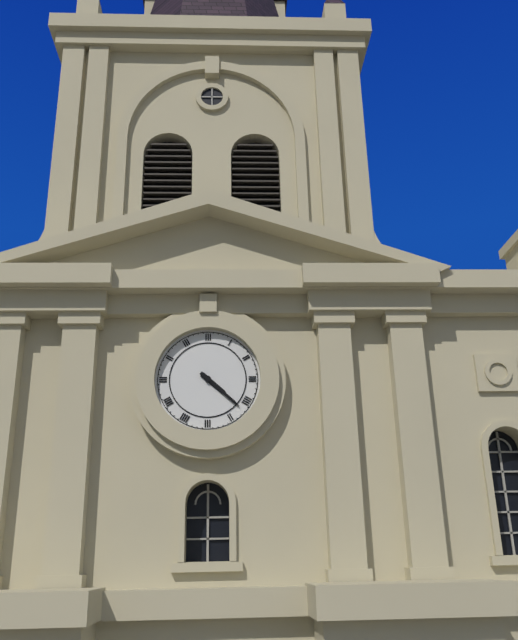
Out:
4,22
